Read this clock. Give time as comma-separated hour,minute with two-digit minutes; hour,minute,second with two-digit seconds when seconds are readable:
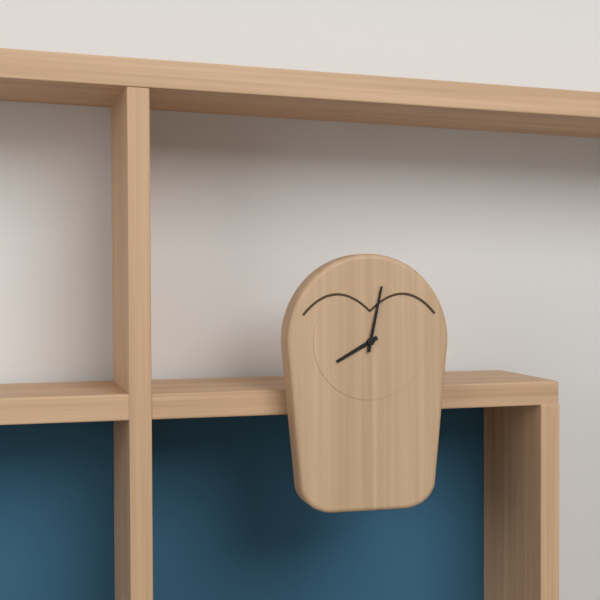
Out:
8,02
